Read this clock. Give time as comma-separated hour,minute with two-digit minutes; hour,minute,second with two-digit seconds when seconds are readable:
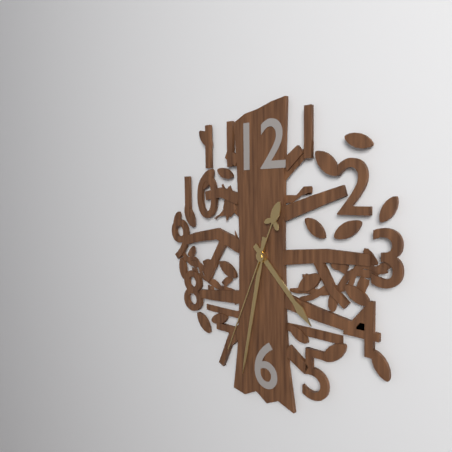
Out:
4,32,34
